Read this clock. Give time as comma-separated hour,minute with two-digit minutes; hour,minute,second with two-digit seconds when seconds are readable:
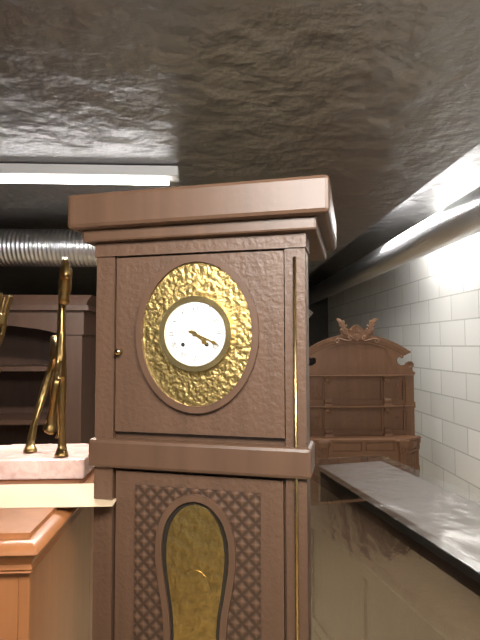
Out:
4,19
